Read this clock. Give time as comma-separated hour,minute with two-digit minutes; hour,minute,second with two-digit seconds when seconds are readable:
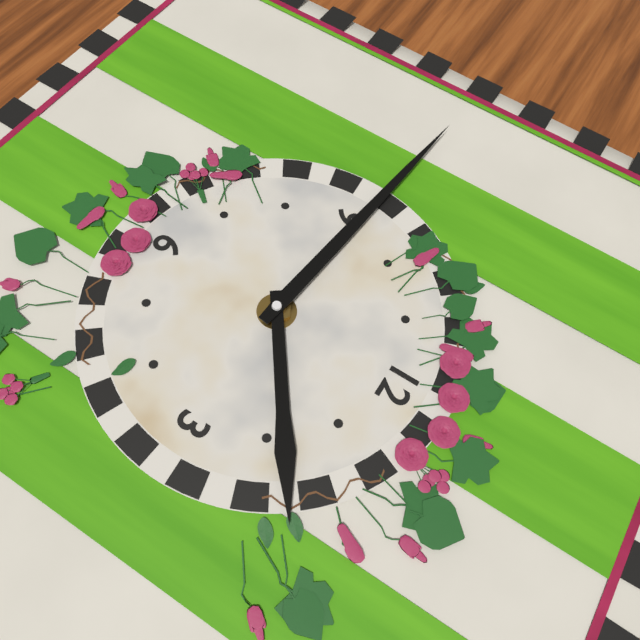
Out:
1,46
